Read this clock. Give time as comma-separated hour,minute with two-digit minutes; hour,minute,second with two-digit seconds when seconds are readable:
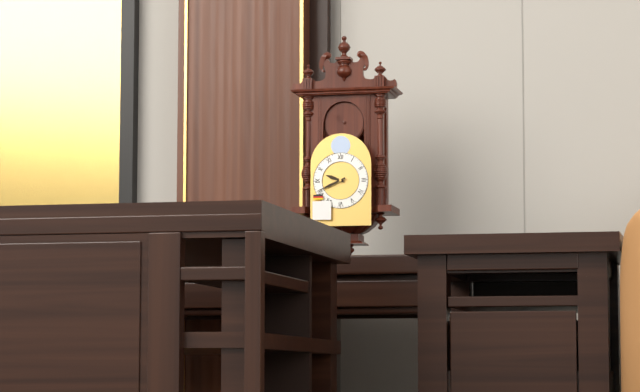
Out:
9,41
